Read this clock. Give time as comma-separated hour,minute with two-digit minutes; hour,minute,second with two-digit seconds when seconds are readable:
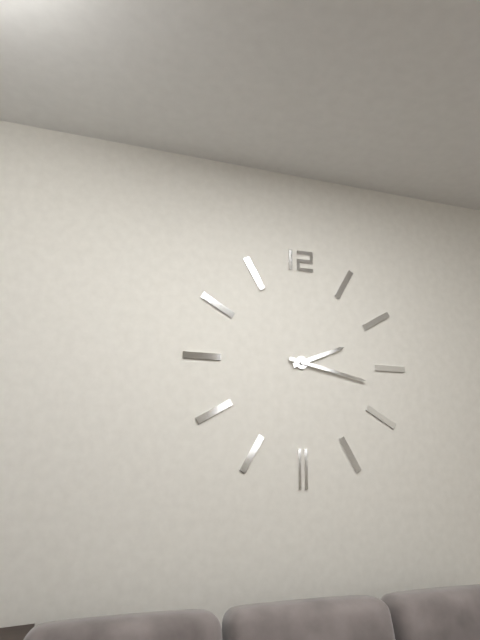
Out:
2,17
